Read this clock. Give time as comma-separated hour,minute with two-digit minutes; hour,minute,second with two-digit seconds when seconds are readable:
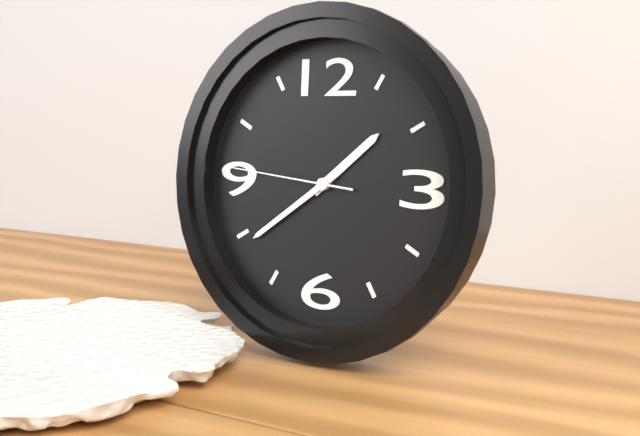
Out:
1,39,46
